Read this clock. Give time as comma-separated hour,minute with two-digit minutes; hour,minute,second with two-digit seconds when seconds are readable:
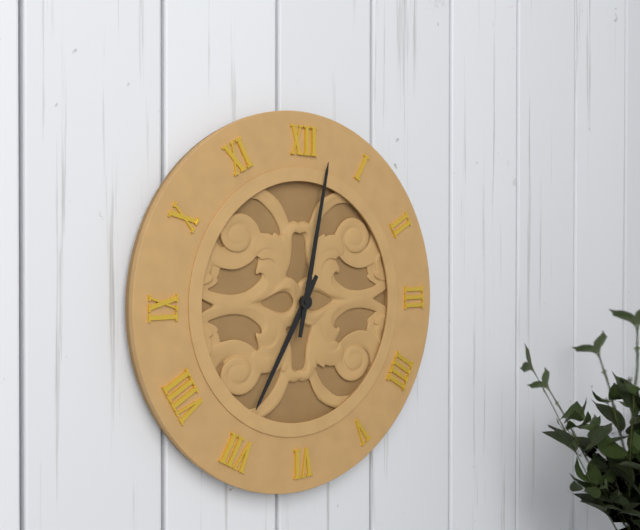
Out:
7,02
